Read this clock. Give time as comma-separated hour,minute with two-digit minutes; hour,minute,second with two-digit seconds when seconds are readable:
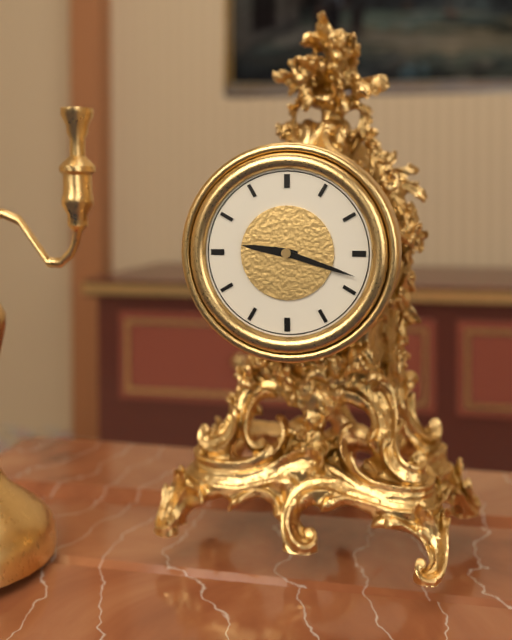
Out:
9,18
